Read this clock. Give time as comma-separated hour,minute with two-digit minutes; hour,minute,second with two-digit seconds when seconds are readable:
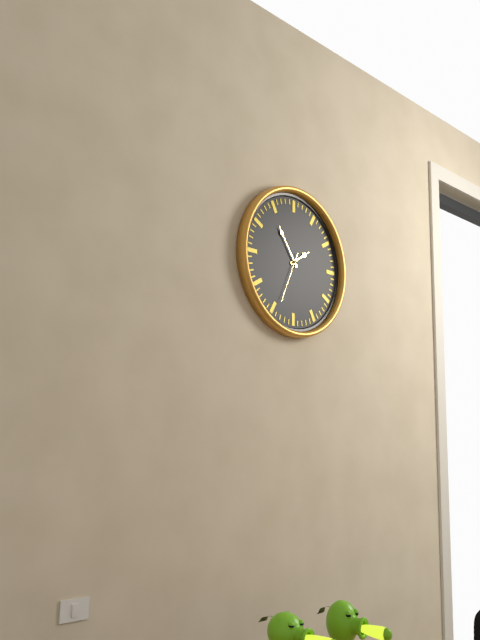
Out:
1,54,34
